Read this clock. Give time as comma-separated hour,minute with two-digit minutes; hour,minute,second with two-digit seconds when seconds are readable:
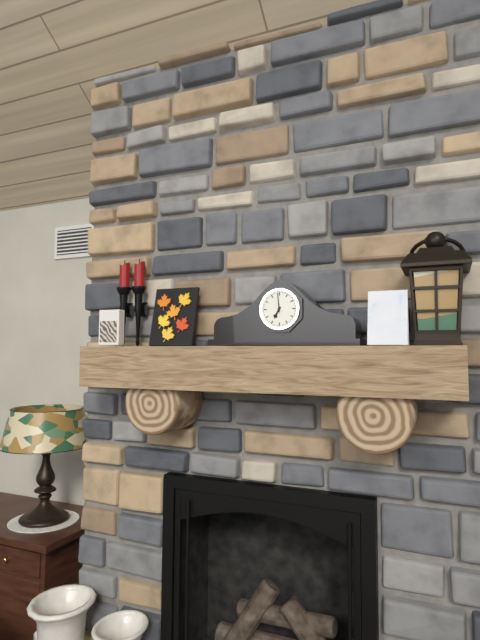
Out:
6,59
